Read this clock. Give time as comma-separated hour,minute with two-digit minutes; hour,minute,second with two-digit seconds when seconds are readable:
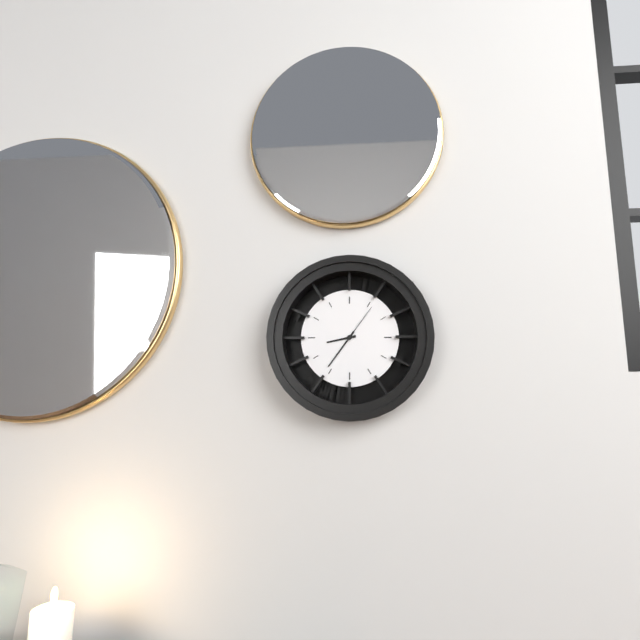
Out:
8,36
